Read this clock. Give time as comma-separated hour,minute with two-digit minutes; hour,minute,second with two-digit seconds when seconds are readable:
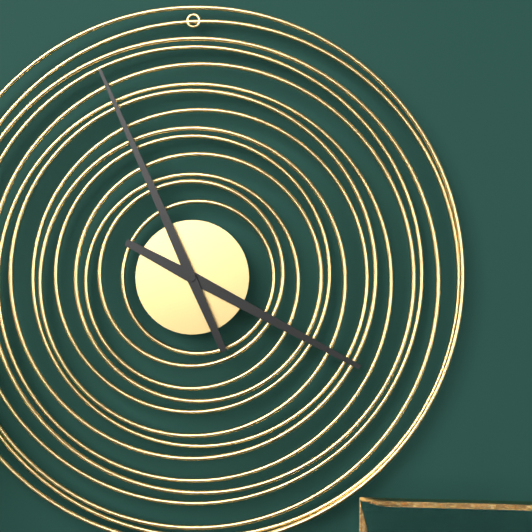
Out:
3,56
